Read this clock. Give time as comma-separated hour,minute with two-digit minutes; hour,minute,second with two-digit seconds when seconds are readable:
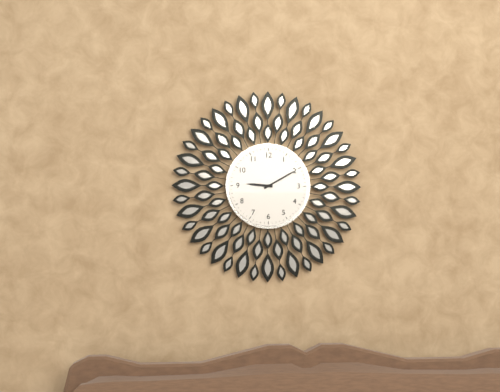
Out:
9,10
